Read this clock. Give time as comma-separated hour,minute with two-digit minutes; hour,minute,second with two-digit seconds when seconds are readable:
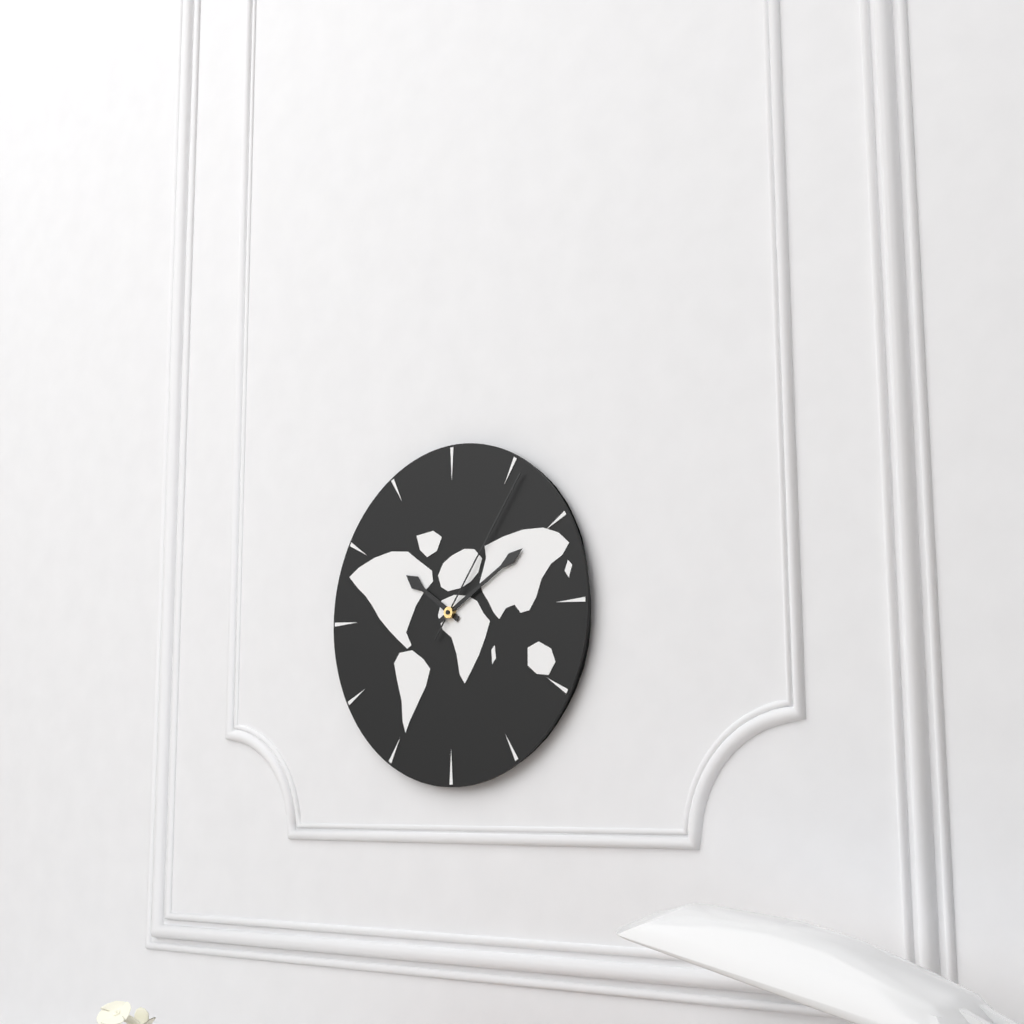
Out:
10,10,06
